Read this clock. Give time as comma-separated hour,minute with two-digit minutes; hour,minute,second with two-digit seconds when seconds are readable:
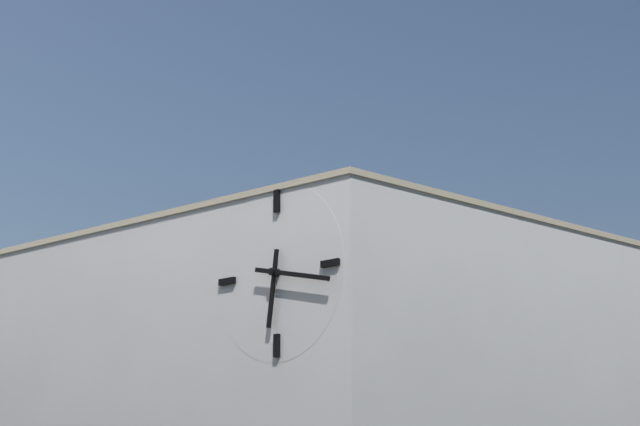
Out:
6,17
